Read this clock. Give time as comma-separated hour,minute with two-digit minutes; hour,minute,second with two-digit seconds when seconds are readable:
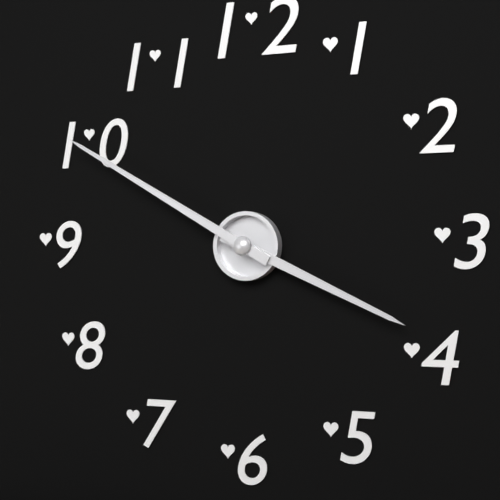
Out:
3,50
